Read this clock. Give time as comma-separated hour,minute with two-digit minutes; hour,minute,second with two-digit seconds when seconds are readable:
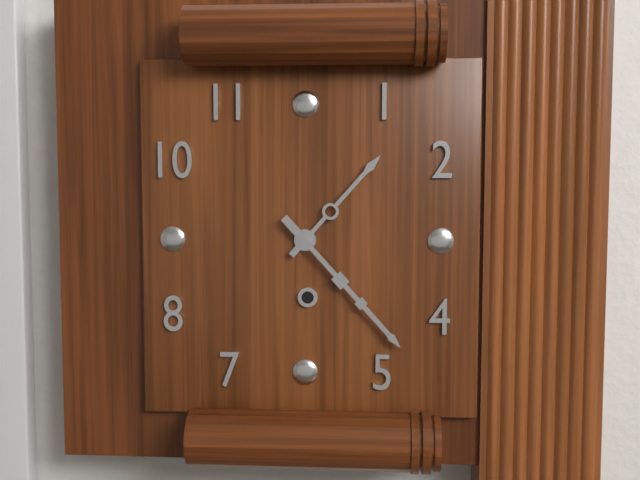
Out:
1,23
